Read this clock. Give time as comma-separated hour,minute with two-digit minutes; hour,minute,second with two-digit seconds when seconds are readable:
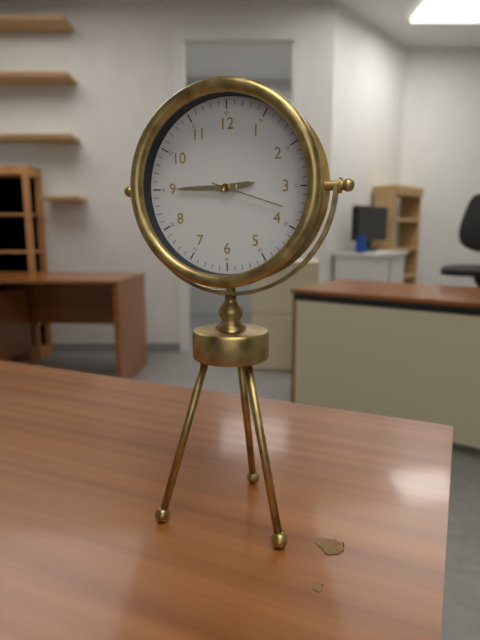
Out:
2,45,18
